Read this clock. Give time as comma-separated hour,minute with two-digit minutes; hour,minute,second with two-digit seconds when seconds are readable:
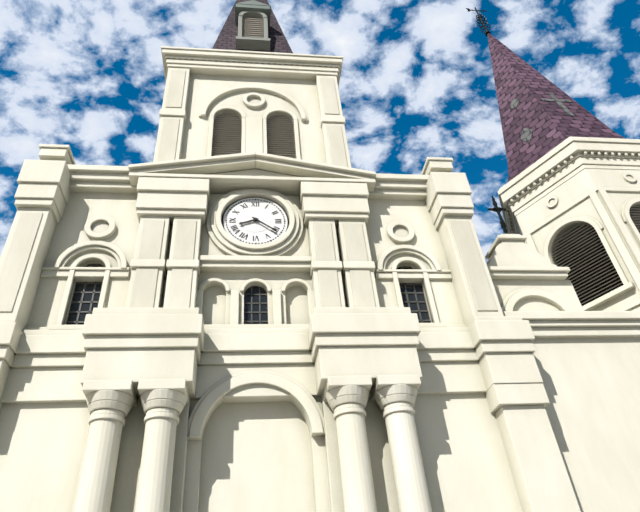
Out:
8,21
